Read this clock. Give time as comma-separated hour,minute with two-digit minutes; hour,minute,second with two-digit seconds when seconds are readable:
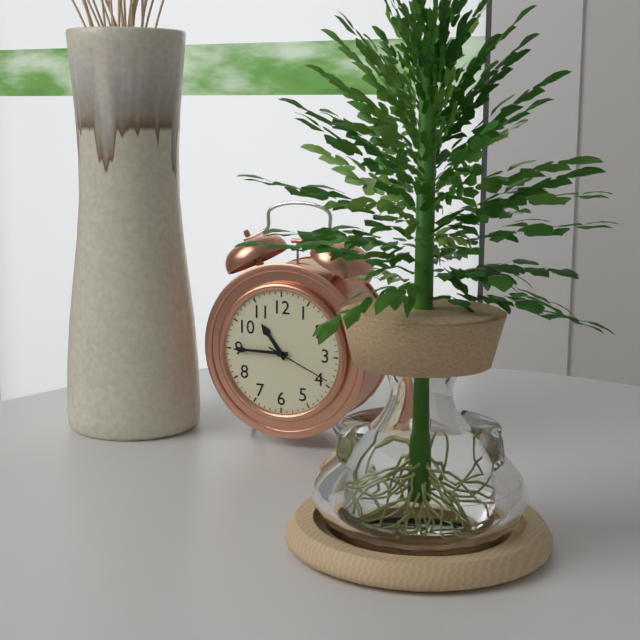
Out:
10,45,19
